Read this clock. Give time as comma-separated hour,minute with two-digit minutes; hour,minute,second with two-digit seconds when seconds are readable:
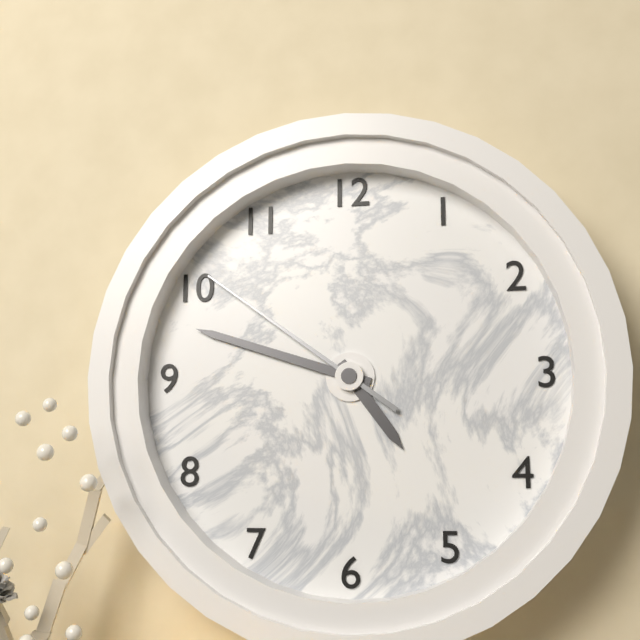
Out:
4,48,51
